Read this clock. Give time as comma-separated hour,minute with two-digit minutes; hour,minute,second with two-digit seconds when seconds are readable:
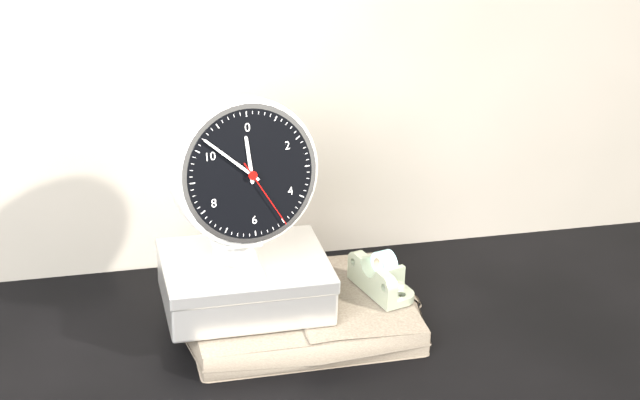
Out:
11,52,25
